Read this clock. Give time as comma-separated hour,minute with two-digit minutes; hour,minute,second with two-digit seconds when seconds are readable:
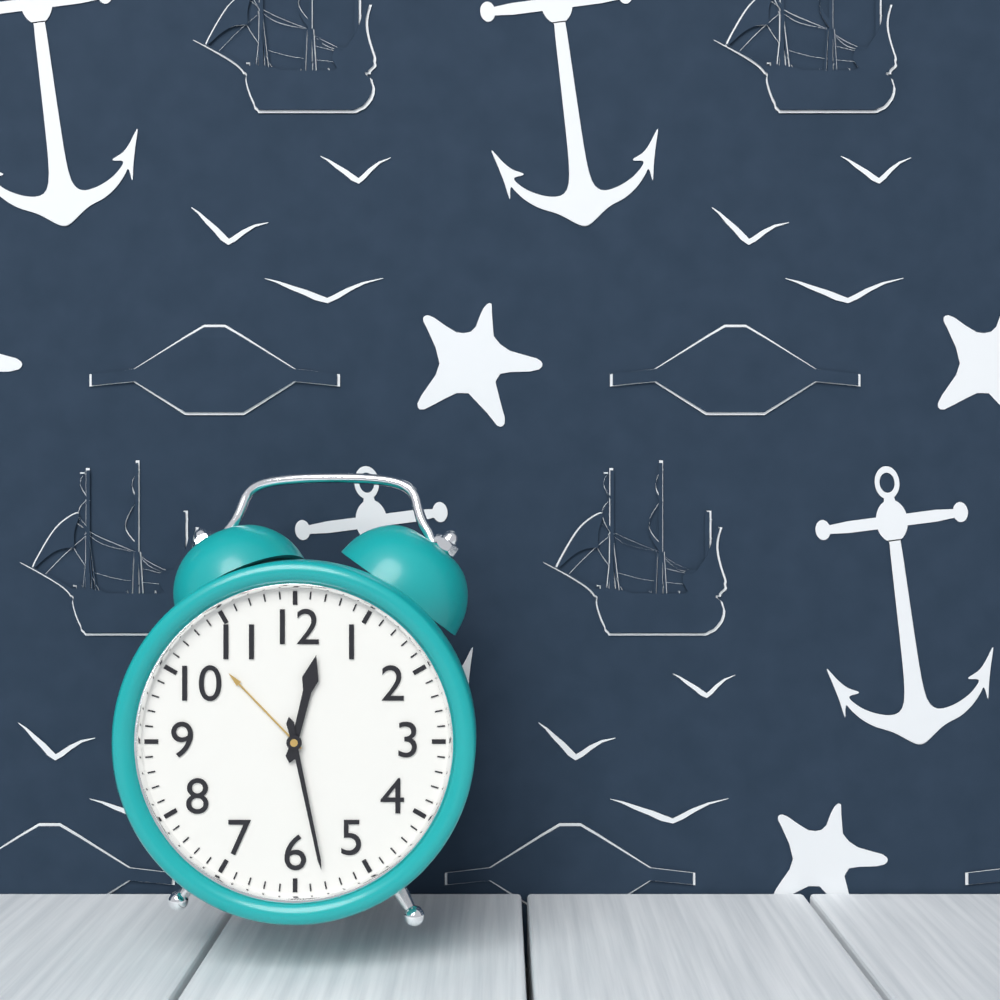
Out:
12,28
